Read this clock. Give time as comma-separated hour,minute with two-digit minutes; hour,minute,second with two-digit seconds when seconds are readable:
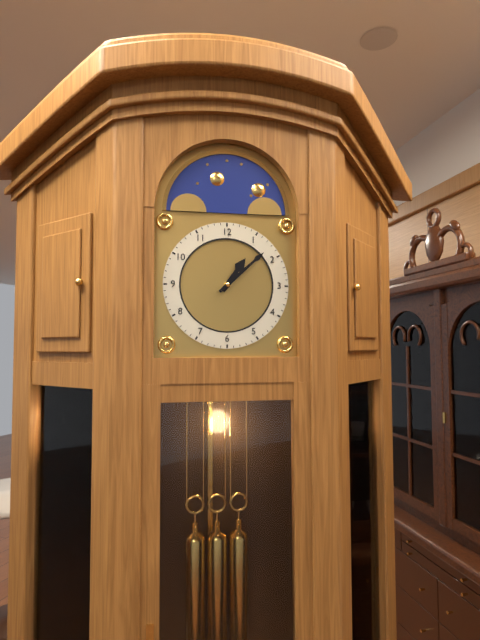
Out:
1,08
